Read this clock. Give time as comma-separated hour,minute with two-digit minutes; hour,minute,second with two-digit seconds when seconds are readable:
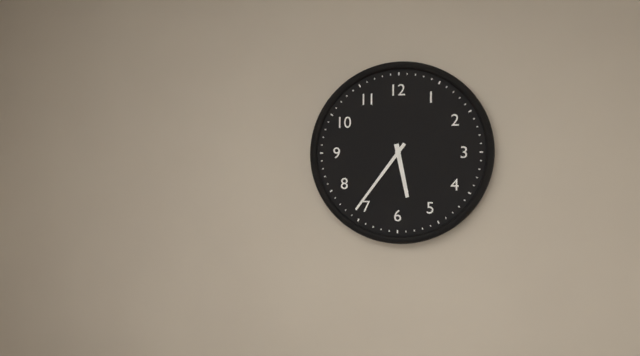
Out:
5,36
